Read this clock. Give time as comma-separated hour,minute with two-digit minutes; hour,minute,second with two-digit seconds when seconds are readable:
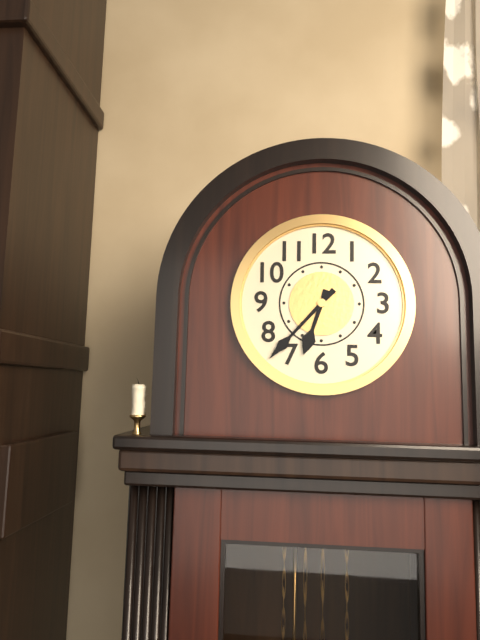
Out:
6,37
